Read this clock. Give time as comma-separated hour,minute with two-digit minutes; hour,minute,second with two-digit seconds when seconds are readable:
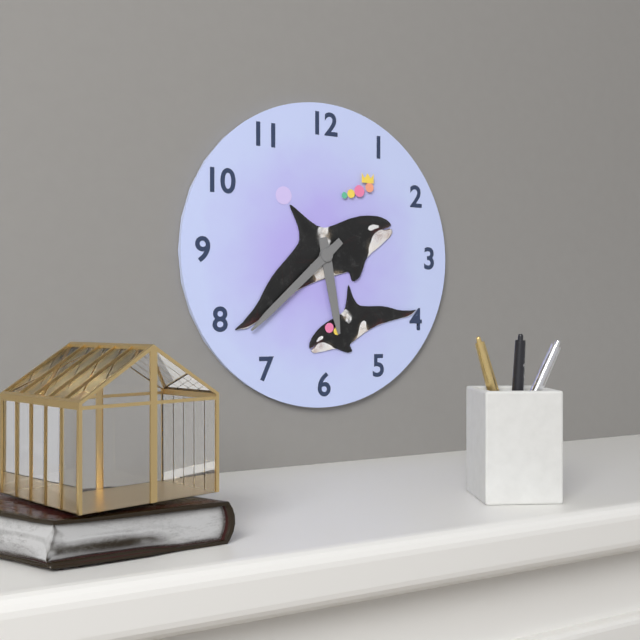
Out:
5,38
